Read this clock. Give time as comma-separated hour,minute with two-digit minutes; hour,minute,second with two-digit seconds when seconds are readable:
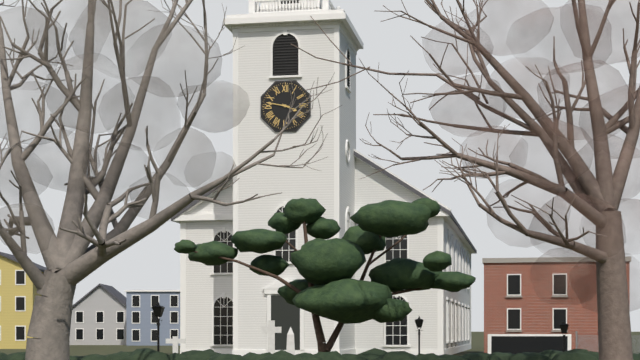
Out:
3,47
